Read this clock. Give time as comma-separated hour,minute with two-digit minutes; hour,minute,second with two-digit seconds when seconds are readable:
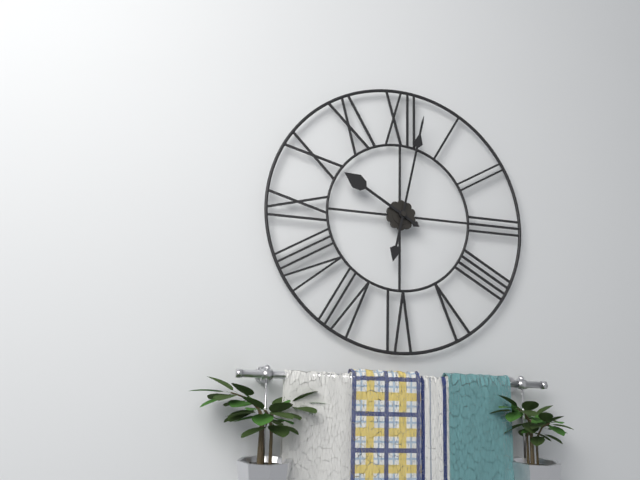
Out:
10,02
